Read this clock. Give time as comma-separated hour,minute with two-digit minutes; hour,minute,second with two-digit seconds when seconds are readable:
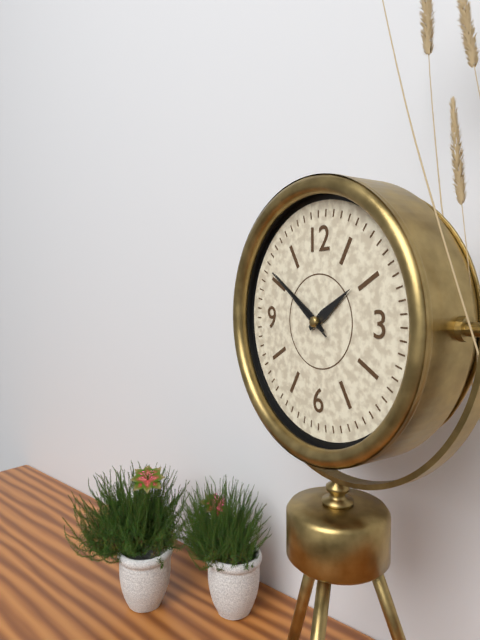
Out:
1,51,51
